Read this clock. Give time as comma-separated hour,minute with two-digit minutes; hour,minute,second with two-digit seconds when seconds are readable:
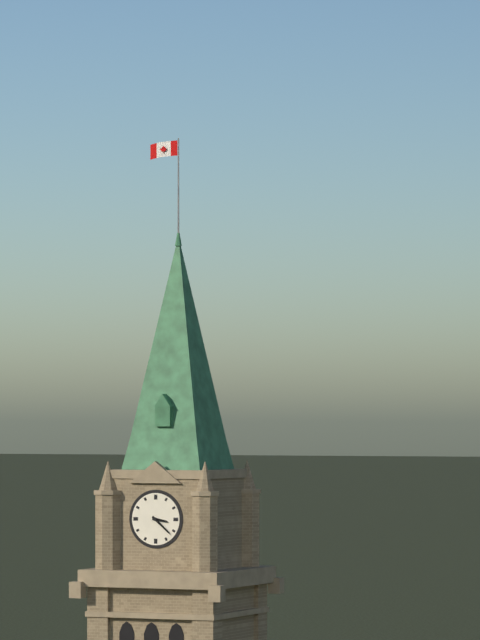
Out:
3,22
